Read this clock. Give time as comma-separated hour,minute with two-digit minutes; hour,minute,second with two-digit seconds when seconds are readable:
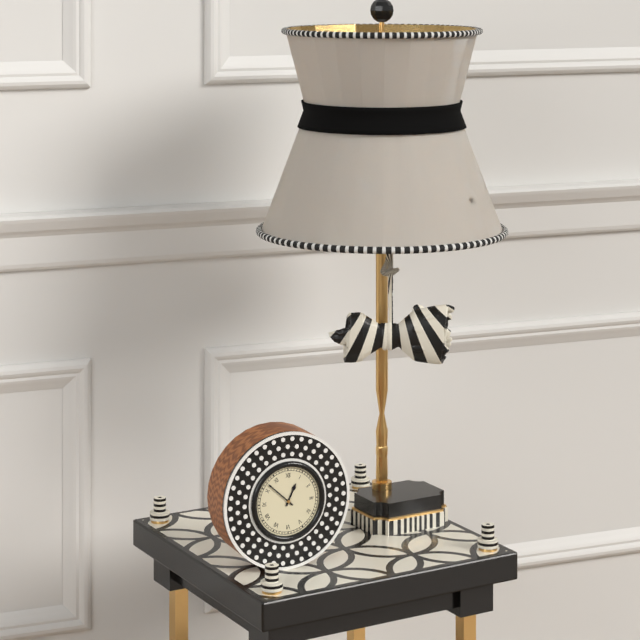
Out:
12,52
